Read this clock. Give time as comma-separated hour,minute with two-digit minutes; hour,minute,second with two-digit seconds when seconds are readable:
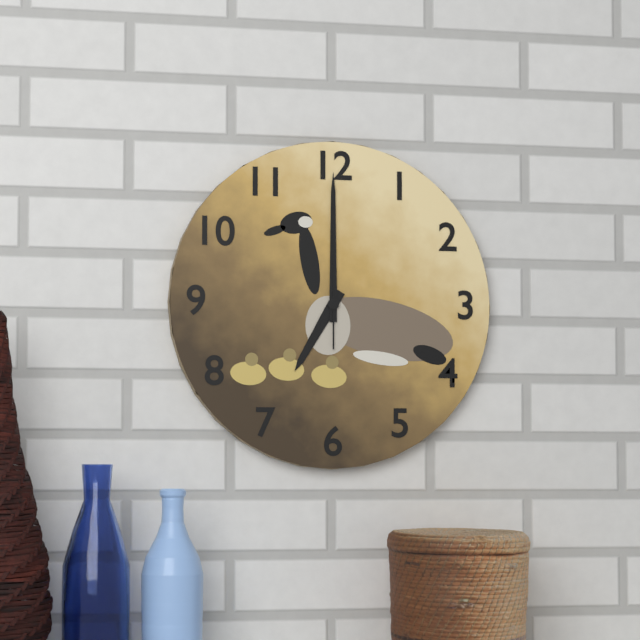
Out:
7,00,00
